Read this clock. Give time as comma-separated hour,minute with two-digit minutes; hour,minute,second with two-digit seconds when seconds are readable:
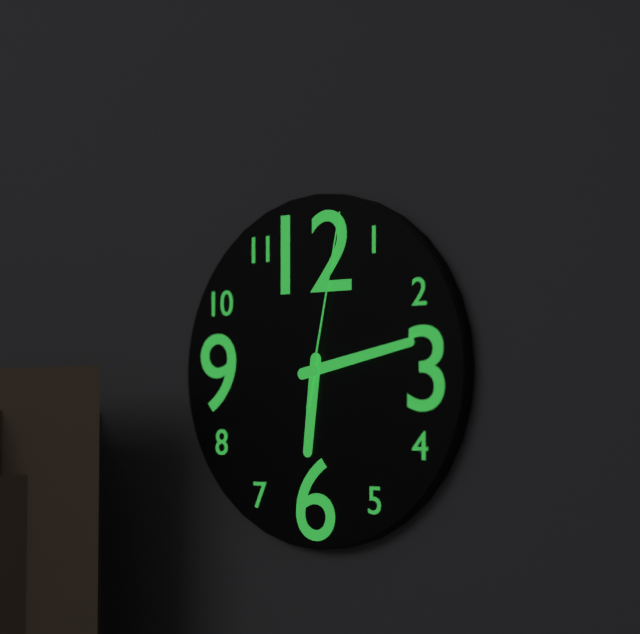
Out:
6,13,02
